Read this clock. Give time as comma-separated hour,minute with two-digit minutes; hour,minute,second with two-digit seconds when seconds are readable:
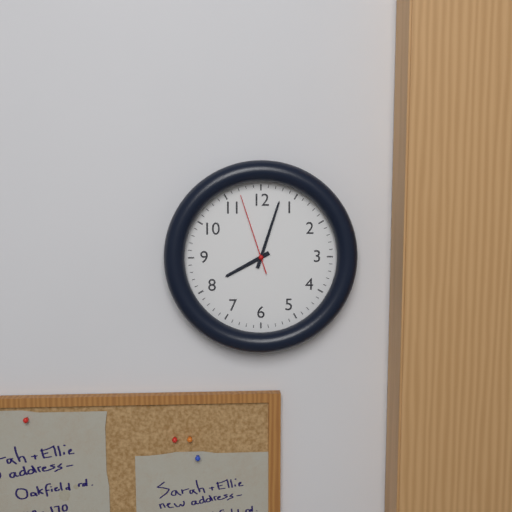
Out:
8,03,57
